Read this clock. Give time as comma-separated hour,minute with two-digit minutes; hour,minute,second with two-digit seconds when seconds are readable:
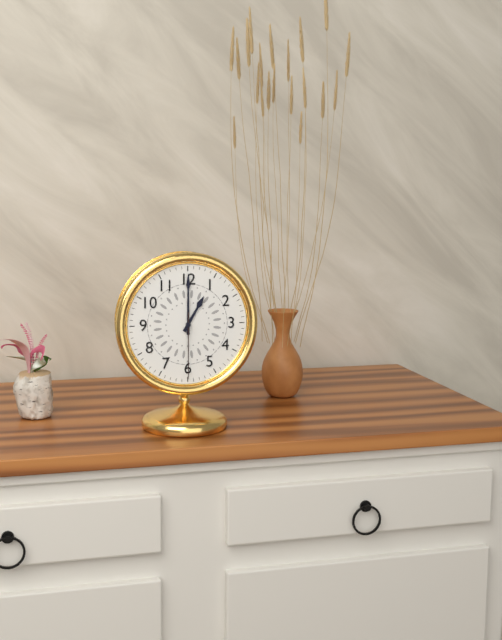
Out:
1,00,30
